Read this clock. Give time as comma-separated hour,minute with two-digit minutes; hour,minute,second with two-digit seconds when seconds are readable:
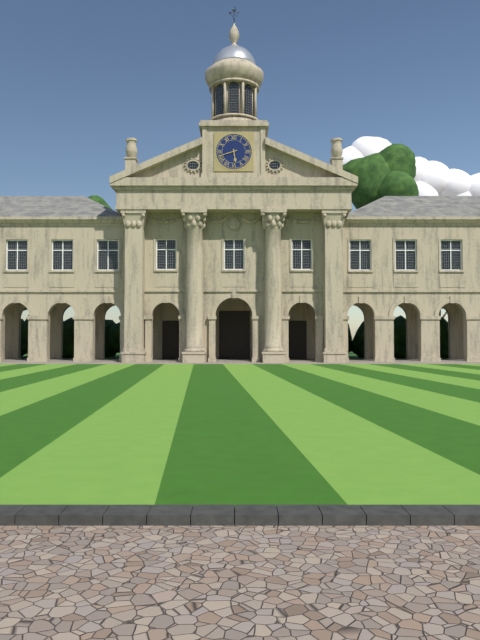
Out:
5,42
